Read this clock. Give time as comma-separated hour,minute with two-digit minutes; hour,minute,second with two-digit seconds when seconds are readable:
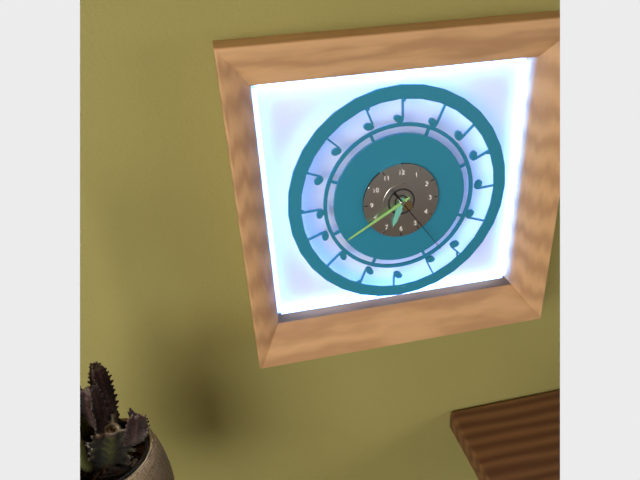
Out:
6,40,24
